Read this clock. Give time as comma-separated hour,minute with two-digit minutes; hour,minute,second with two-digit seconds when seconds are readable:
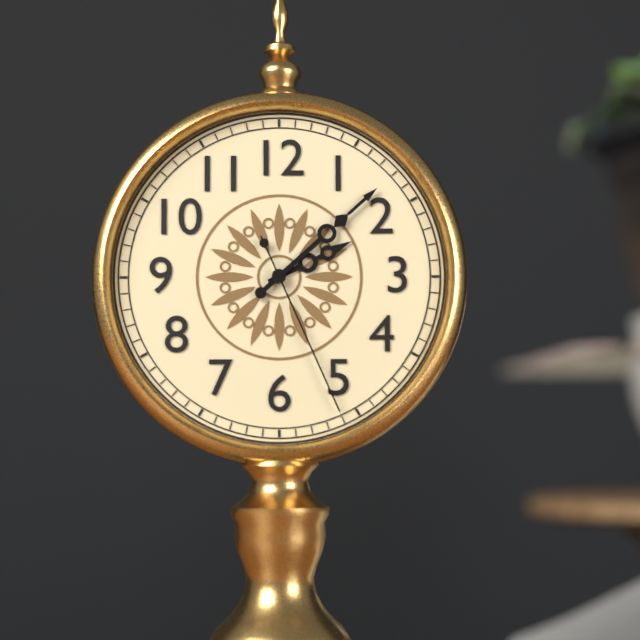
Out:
2,08,26
